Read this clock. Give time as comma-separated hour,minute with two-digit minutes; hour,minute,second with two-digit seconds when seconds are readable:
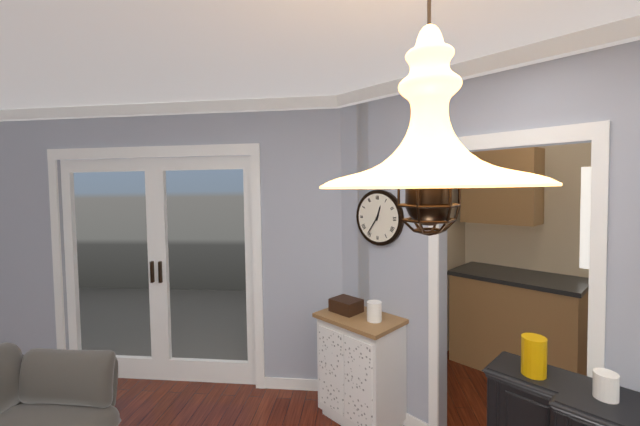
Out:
12,36
